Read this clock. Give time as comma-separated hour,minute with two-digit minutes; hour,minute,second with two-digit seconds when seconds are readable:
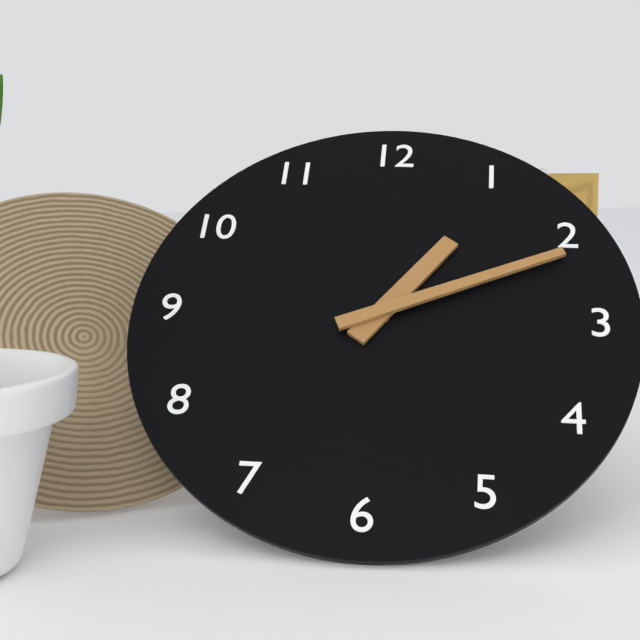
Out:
1,11
